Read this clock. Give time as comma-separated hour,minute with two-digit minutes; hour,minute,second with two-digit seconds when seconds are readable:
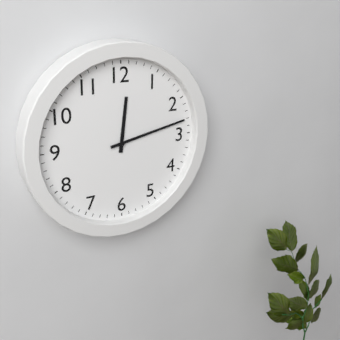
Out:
12,13
